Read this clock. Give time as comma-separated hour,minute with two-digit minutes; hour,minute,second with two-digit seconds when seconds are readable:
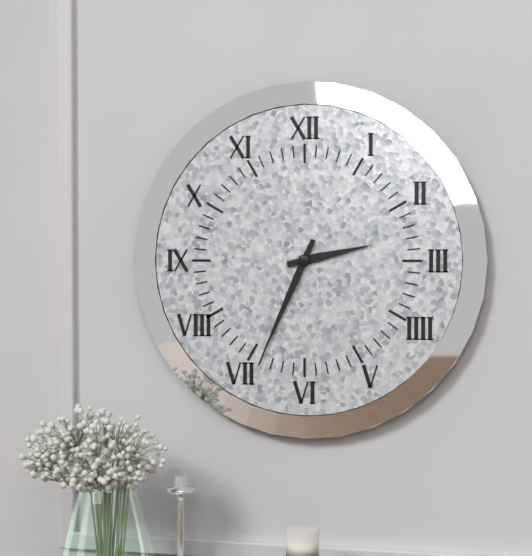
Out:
2,34
